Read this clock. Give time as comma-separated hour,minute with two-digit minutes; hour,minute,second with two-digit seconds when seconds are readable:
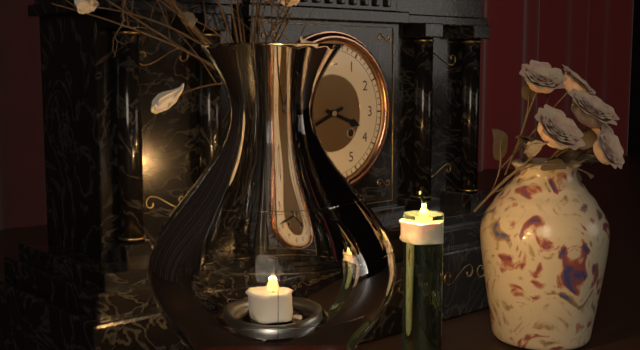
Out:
3,41
